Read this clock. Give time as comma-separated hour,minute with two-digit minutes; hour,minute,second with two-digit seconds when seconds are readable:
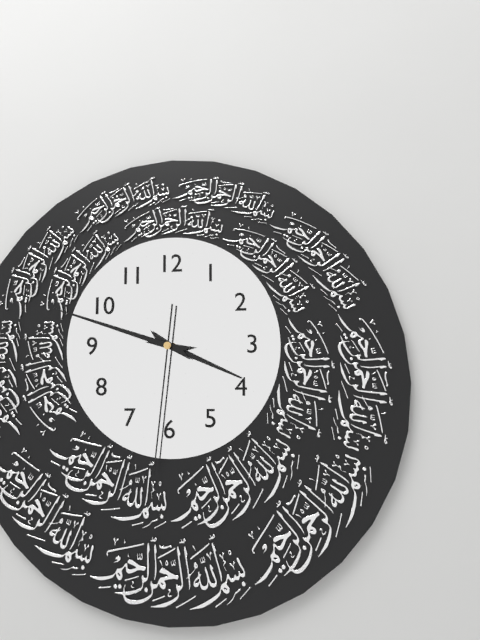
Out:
3,48,31
